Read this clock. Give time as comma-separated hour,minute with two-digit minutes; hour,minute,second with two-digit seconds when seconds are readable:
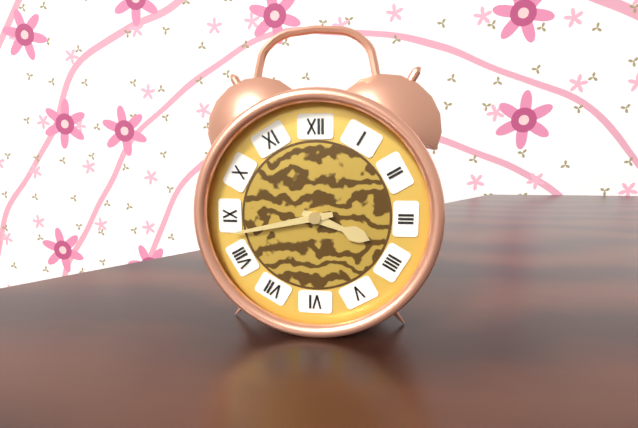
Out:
3,43
